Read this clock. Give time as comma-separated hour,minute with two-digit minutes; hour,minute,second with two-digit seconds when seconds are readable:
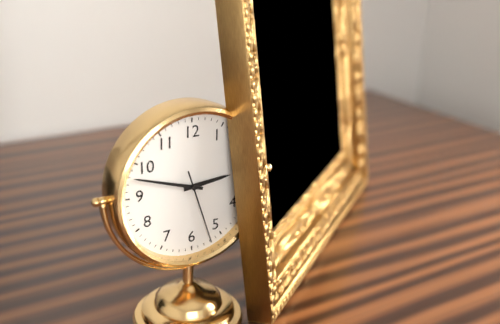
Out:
2,48,27
